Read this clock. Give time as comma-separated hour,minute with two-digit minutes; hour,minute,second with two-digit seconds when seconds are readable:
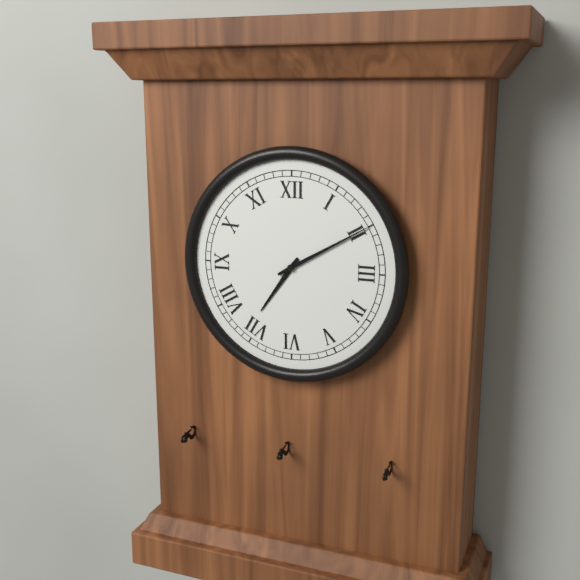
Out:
7,10
